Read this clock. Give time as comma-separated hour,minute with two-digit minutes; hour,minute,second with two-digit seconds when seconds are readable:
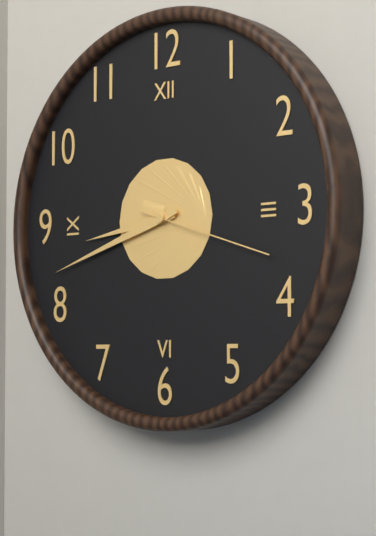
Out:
8,42,18
